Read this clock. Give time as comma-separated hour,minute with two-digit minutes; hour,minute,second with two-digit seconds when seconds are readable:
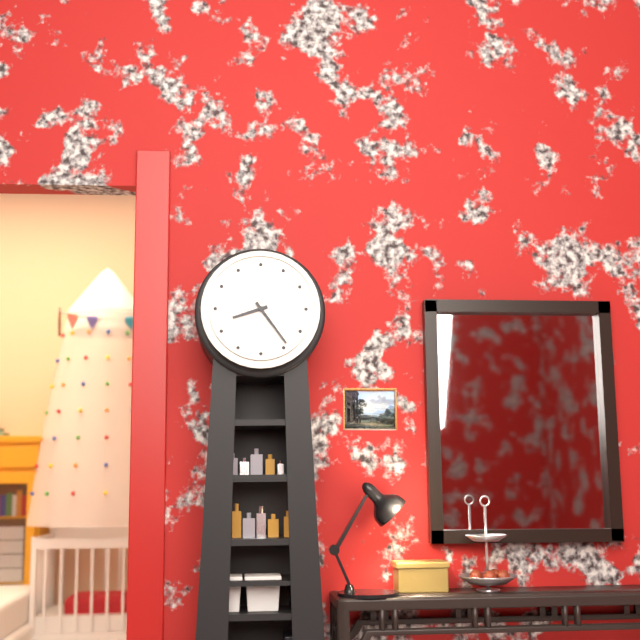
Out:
8,24
